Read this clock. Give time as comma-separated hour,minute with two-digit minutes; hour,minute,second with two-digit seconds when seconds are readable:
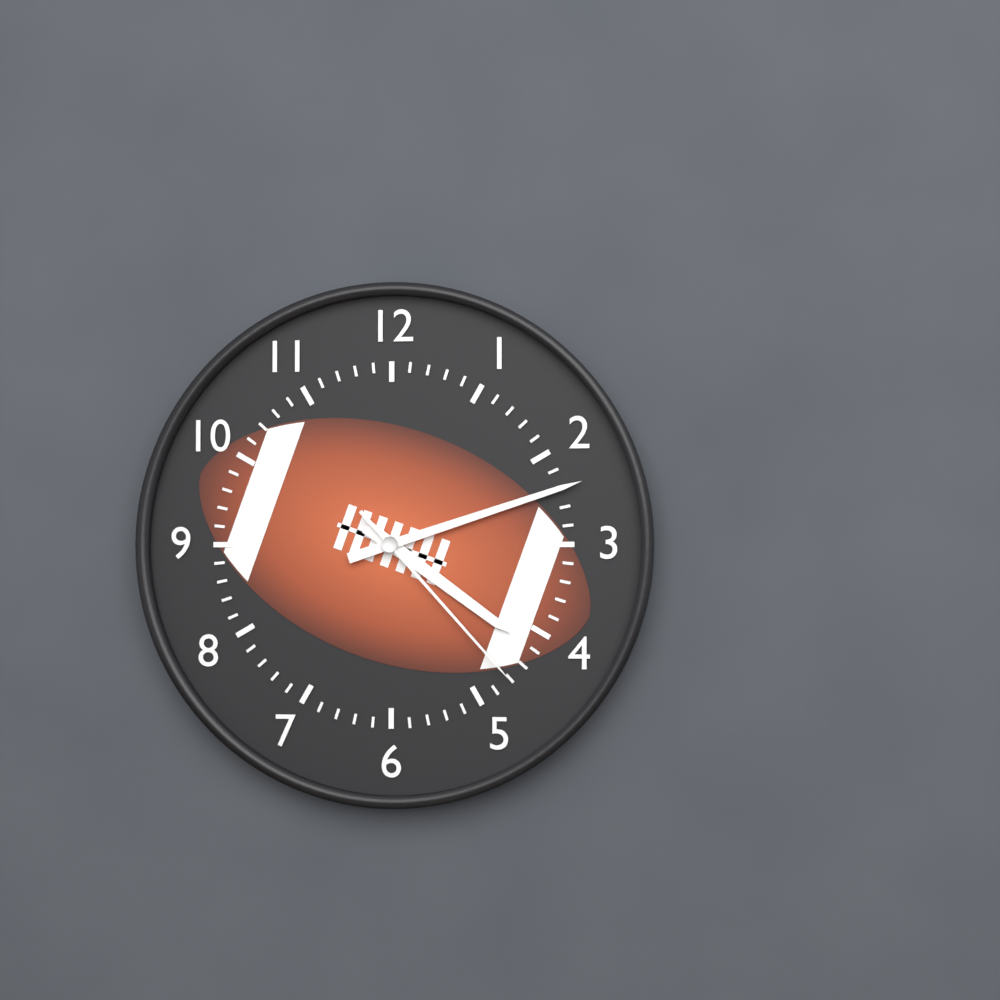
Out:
4,12,23
